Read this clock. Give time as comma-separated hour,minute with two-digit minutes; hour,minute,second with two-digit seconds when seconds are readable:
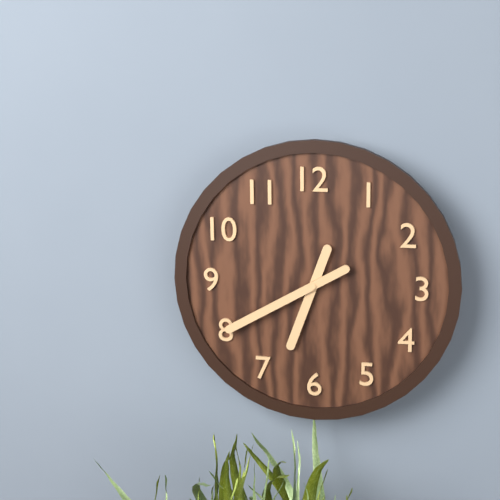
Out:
6,40
